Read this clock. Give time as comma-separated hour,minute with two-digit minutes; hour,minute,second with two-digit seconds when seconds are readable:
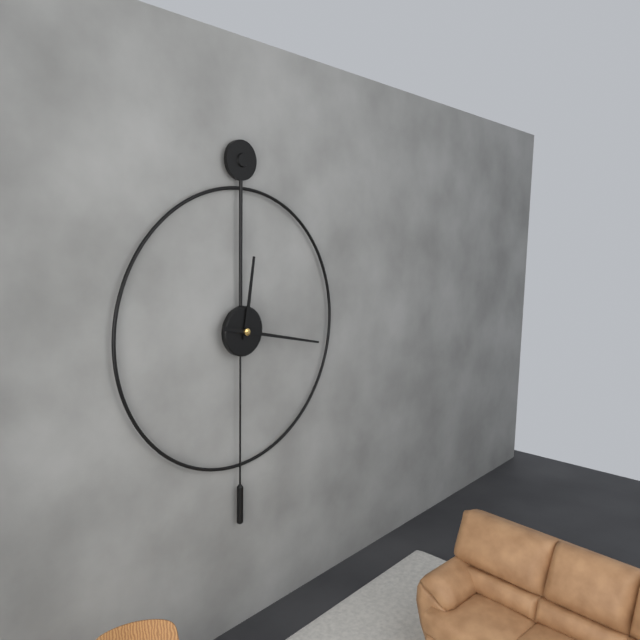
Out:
12,17
